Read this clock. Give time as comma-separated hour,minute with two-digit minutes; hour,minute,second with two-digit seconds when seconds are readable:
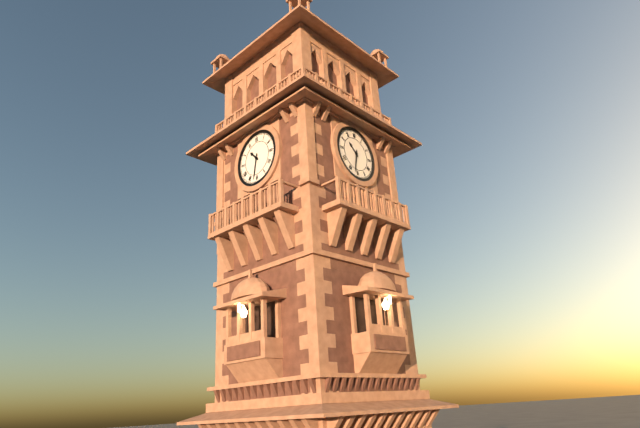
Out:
10,32
